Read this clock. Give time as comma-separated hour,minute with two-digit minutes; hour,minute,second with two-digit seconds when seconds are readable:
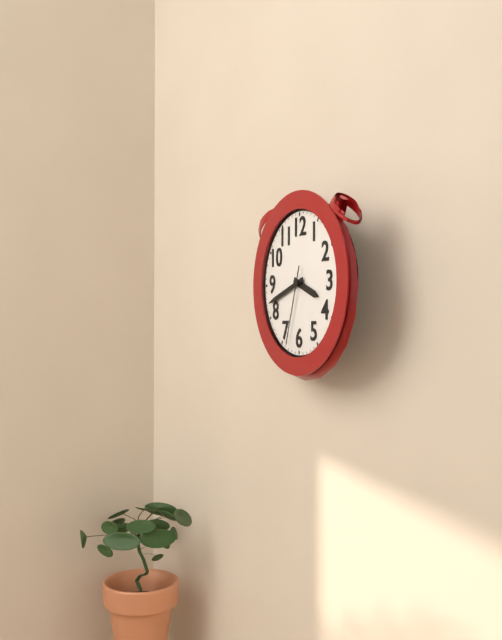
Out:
3,42,33
